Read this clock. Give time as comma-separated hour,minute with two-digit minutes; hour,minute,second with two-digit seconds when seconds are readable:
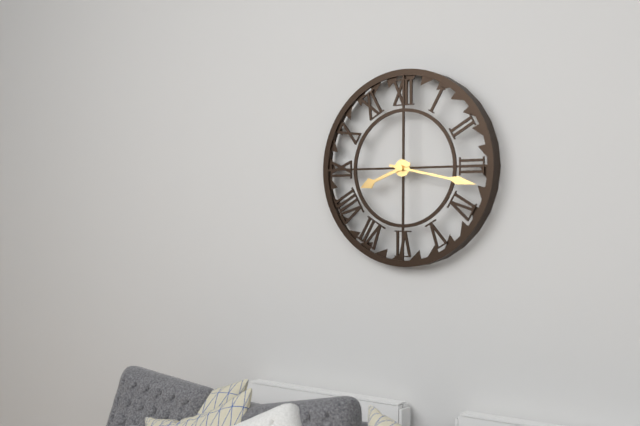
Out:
8,17
